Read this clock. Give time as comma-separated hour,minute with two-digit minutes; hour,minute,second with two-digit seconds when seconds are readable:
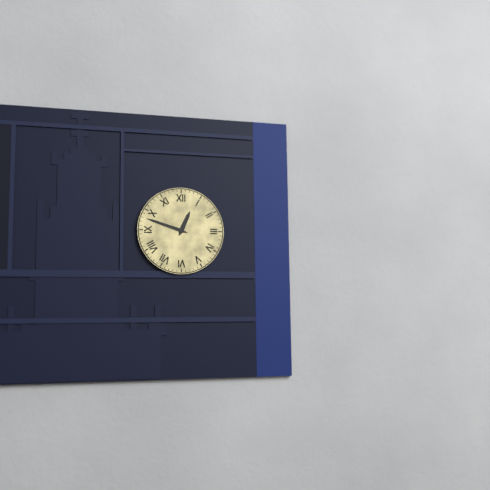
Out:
12,48
